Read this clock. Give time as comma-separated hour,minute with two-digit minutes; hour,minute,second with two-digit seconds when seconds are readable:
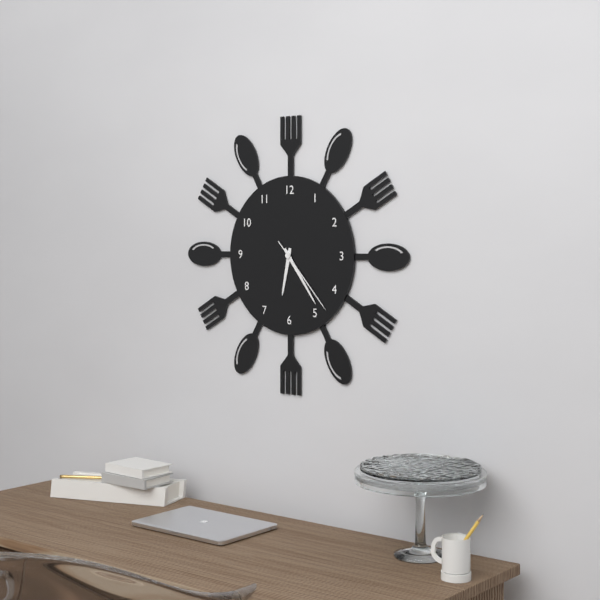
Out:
6,24,23
